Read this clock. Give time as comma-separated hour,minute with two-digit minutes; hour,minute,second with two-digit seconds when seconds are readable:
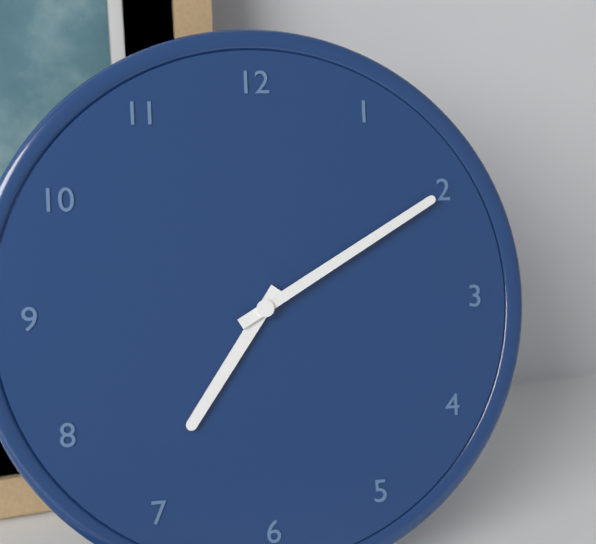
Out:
7,10
